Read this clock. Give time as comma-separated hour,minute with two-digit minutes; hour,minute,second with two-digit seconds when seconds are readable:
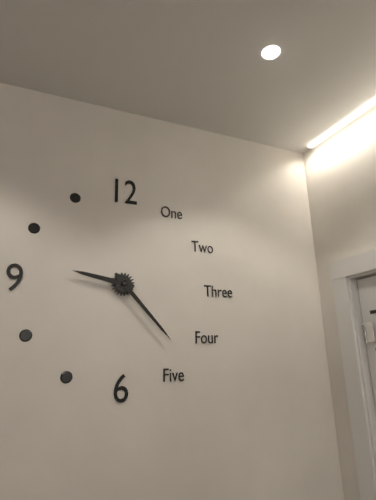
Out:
9,23
